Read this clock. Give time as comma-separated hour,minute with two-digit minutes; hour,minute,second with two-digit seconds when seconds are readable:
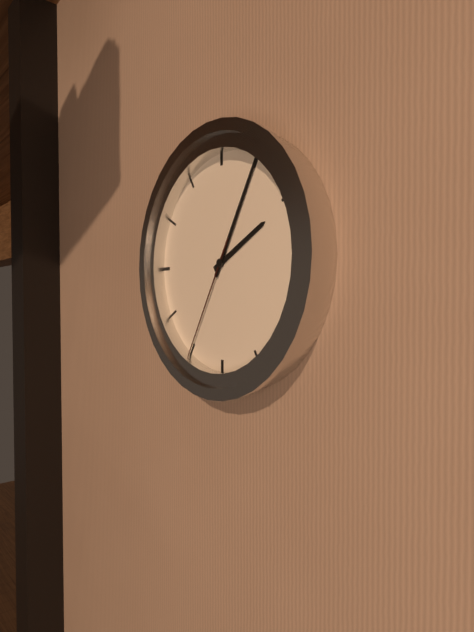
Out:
2,05,35
